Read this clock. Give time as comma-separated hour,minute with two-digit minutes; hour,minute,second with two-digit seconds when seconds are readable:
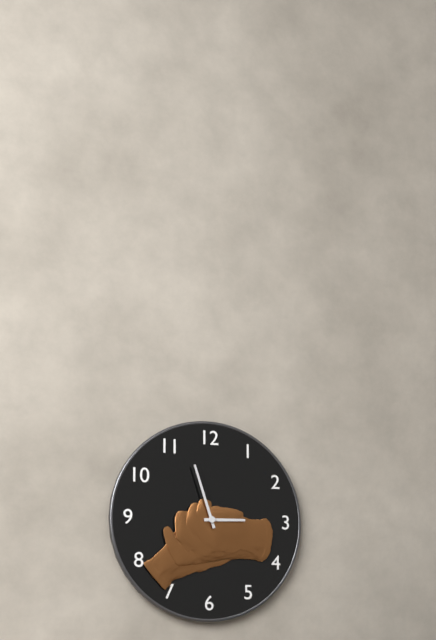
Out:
2,57
